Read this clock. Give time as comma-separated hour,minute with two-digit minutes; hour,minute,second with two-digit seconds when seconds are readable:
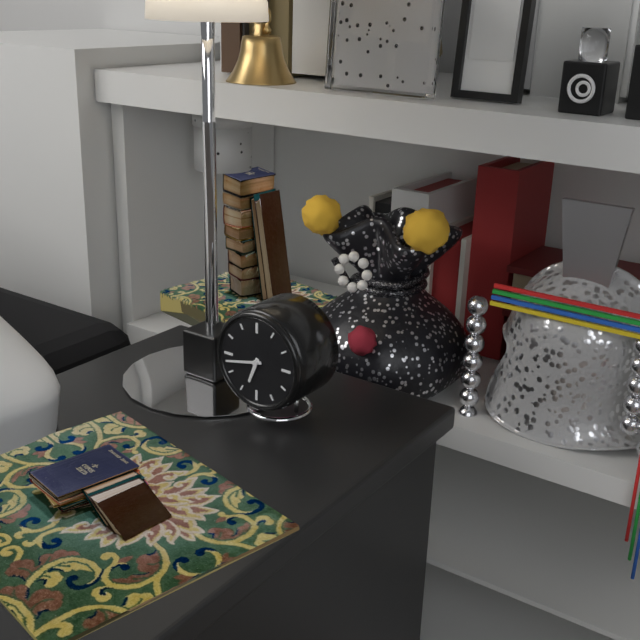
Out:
6,43
